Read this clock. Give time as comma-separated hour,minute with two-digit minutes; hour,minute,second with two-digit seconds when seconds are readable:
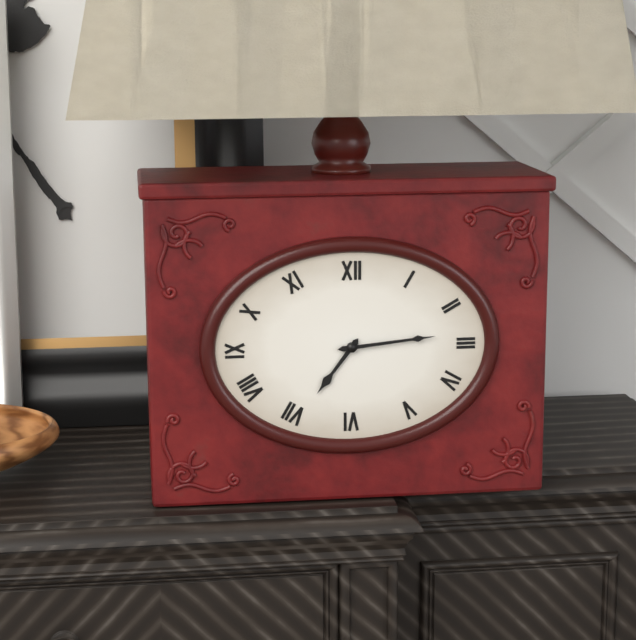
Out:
7,14
